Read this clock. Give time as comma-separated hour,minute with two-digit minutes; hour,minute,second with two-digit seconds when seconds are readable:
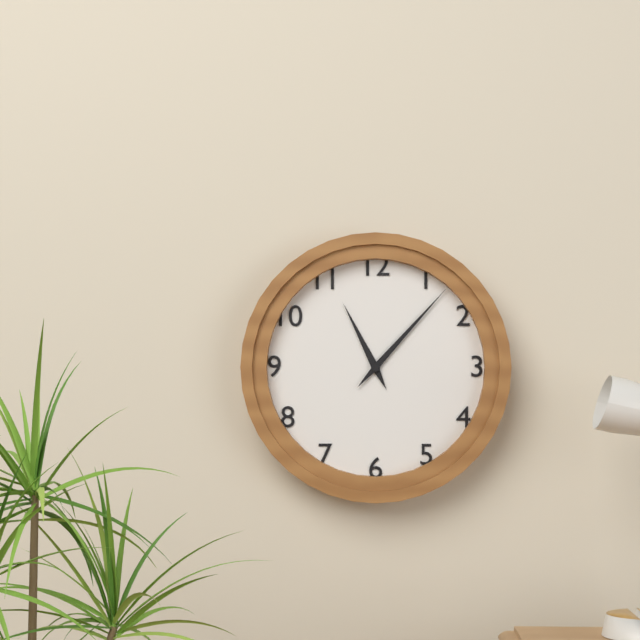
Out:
11,07
